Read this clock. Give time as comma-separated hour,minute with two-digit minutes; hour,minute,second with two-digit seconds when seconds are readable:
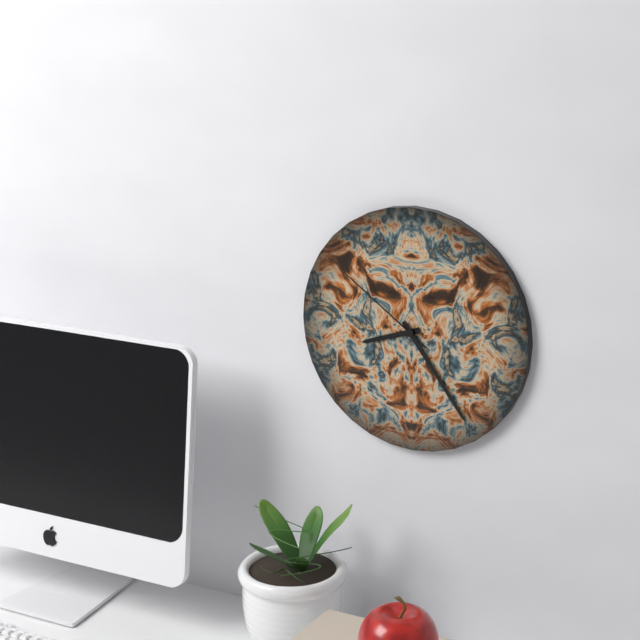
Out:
8,24,51
